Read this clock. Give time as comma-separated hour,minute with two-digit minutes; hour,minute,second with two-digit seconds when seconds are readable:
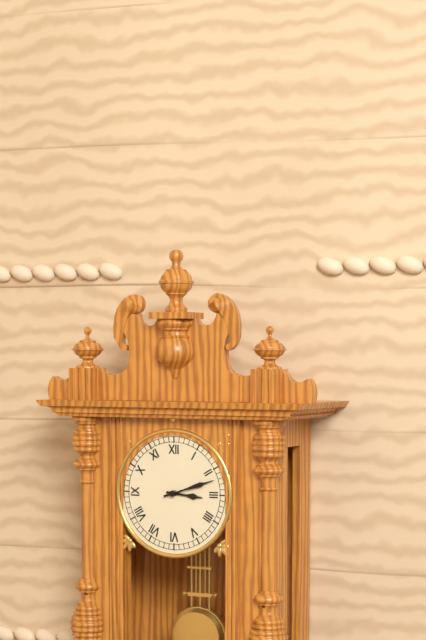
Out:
3,12
